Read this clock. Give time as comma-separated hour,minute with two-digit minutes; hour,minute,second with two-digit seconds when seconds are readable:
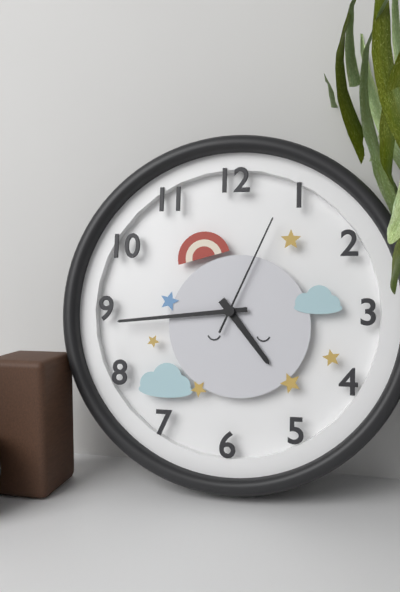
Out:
4,44,04
